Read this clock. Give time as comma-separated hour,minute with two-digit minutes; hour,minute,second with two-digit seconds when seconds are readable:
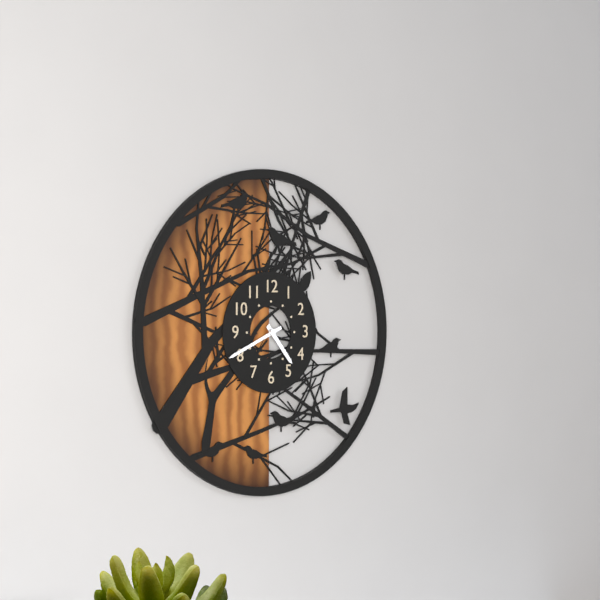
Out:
4,41
